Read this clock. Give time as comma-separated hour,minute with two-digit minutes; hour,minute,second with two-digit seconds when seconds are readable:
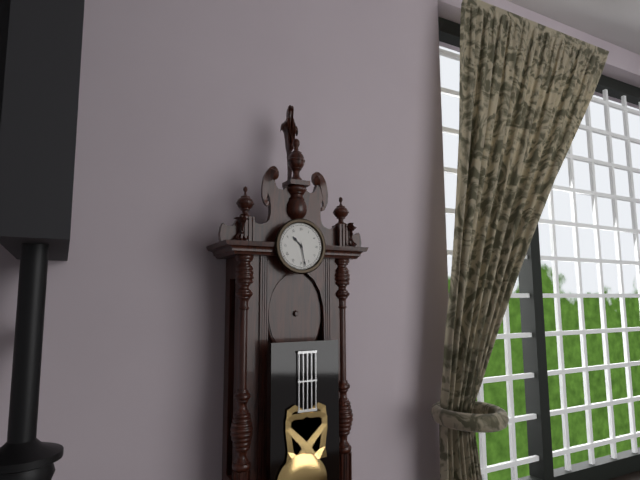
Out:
10,28
